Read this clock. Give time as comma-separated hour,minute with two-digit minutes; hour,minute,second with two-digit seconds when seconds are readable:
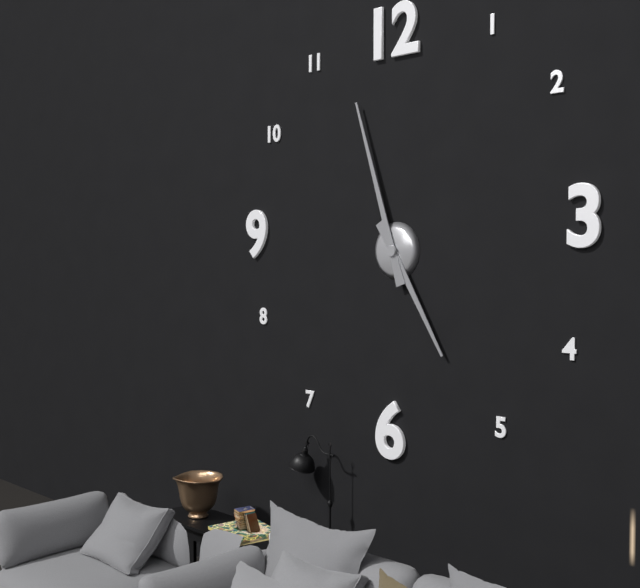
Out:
4,57
